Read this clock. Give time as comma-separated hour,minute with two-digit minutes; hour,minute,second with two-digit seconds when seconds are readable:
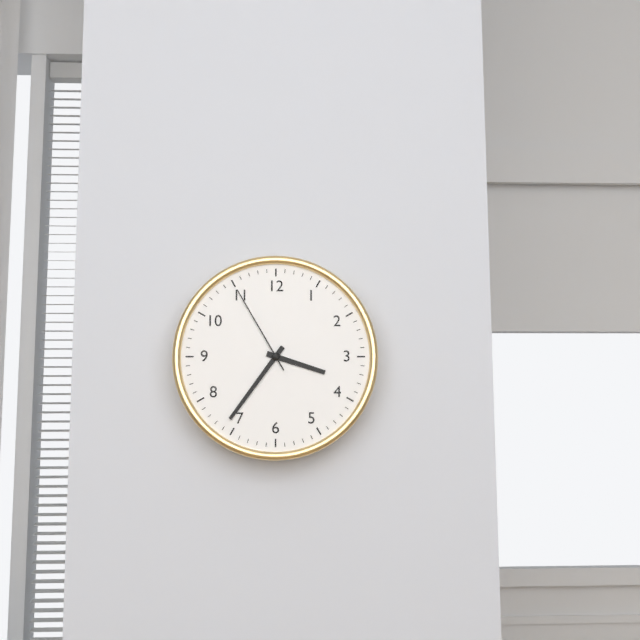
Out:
3,36,55
